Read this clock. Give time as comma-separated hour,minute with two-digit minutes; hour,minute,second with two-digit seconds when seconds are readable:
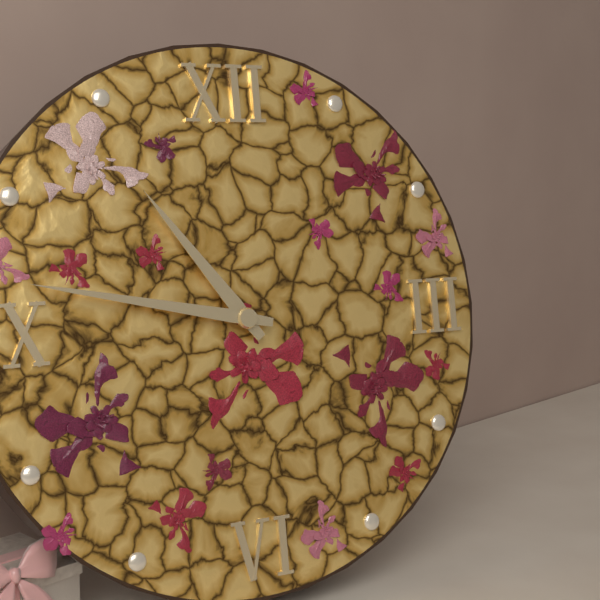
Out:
10,47
